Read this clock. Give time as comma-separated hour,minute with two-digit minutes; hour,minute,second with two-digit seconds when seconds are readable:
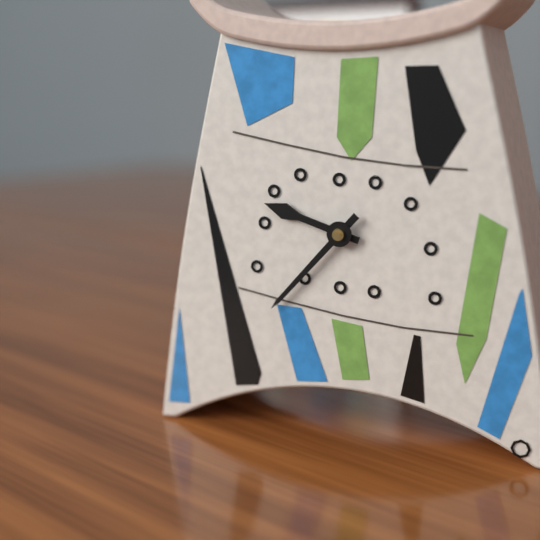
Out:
9,37
